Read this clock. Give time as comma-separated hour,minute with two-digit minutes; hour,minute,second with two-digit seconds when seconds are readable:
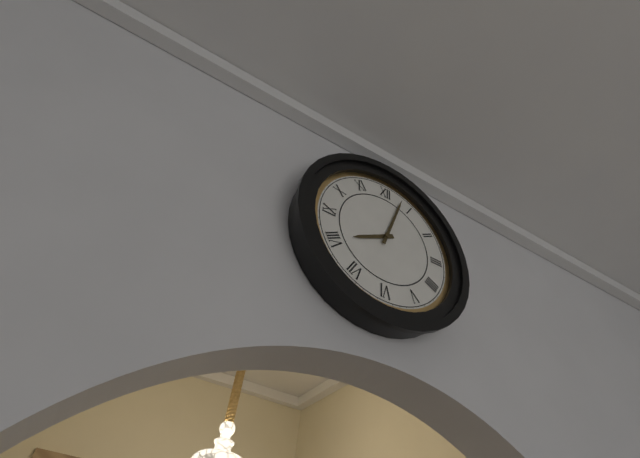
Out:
8,03
